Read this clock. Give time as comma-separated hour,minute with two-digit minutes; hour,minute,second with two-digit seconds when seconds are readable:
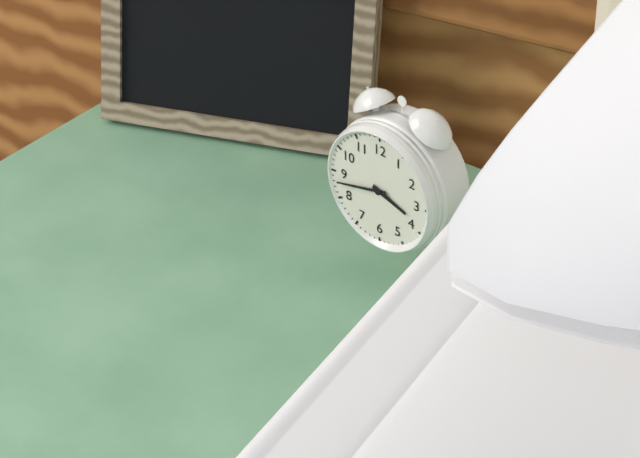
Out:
3,43
